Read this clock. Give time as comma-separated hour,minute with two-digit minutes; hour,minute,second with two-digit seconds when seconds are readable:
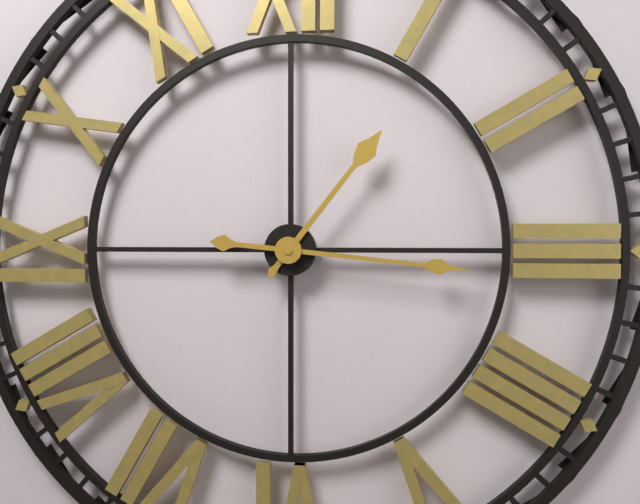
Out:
1,16
